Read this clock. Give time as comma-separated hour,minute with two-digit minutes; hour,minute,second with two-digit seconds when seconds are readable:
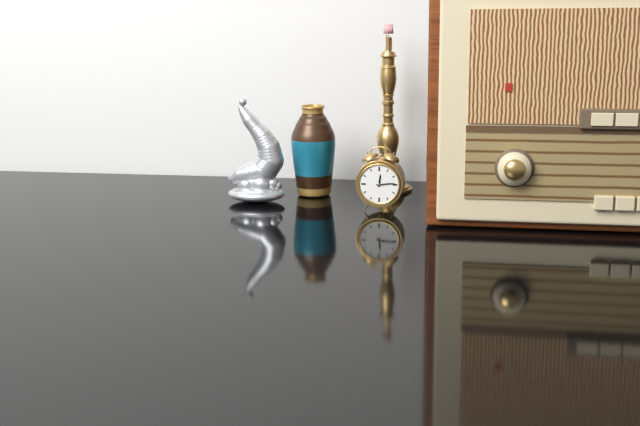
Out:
12,14
